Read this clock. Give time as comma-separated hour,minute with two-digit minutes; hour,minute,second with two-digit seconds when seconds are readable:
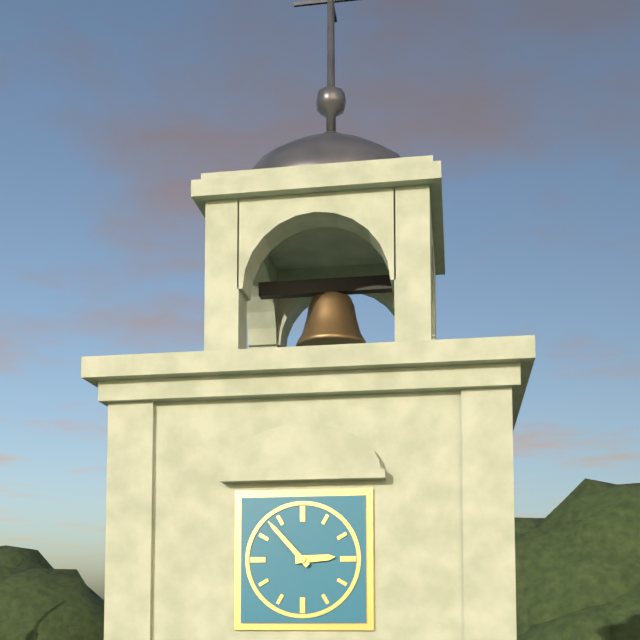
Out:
2,53
